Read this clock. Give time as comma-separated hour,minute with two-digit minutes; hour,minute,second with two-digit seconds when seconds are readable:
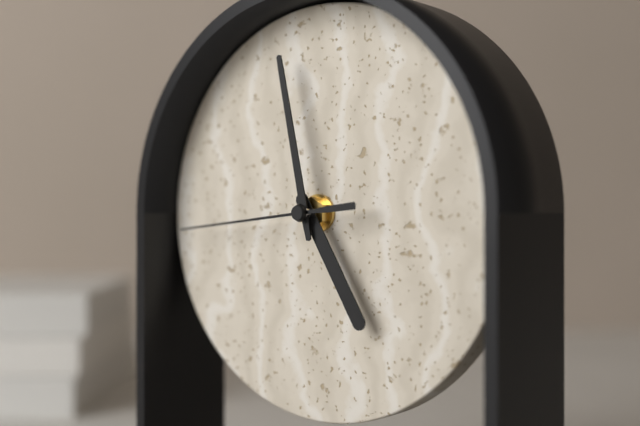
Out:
4,58,44
